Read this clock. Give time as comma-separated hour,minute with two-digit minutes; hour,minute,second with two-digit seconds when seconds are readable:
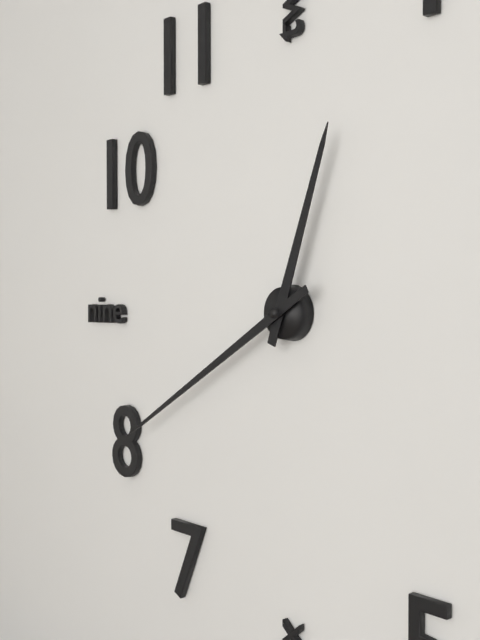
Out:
12,40
